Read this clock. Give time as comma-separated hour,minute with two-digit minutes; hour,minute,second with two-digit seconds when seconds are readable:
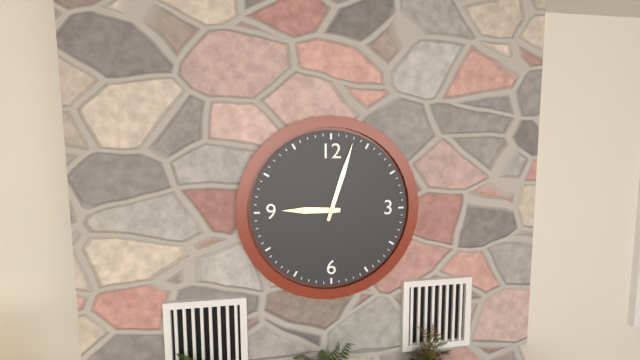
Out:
9,03
